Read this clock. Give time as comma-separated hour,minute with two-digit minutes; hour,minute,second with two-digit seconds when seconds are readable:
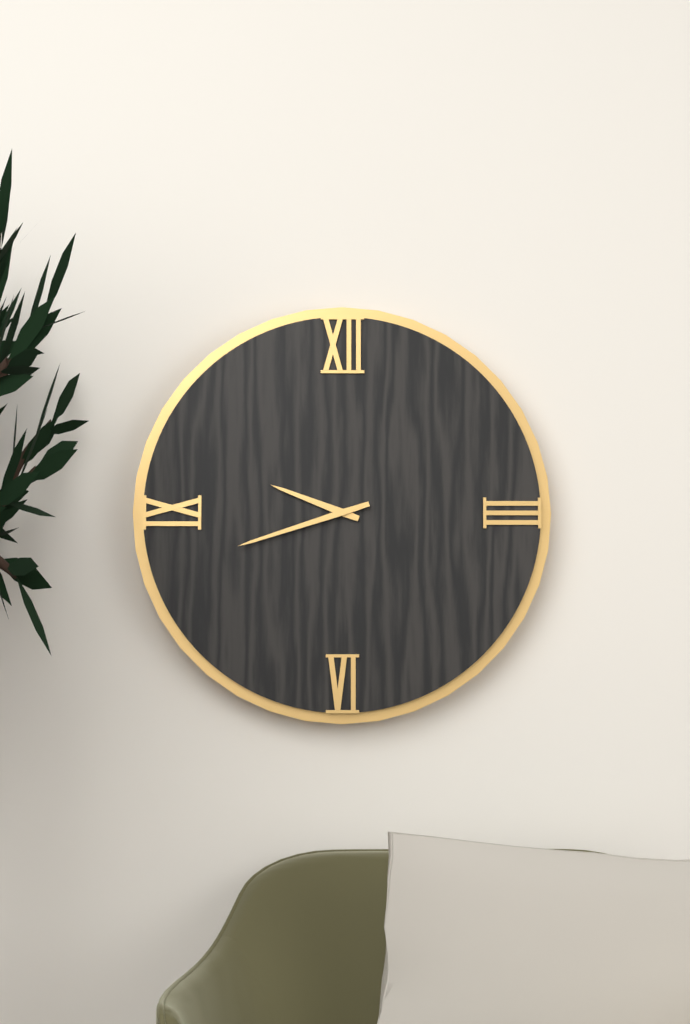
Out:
9,42
